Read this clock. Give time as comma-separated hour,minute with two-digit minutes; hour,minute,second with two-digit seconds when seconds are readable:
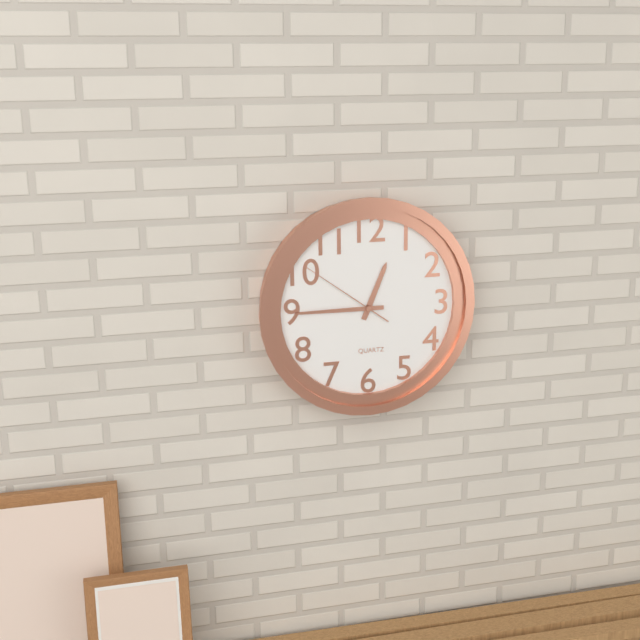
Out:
12,45,51
